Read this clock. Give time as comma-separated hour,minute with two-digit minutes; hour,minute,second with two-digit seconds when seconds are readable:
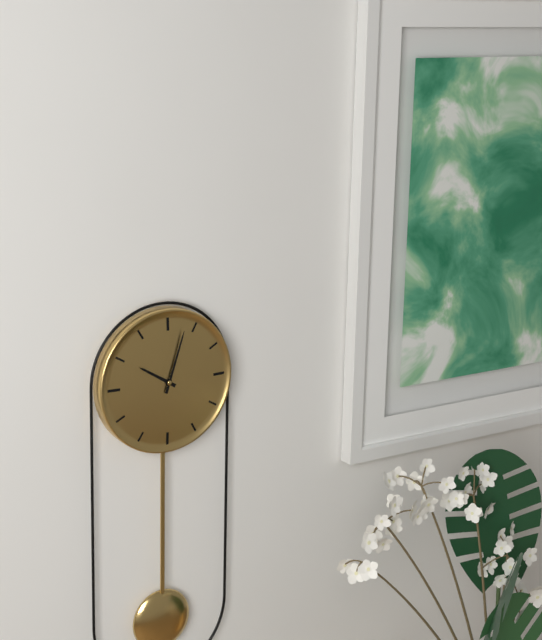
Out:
10,03
